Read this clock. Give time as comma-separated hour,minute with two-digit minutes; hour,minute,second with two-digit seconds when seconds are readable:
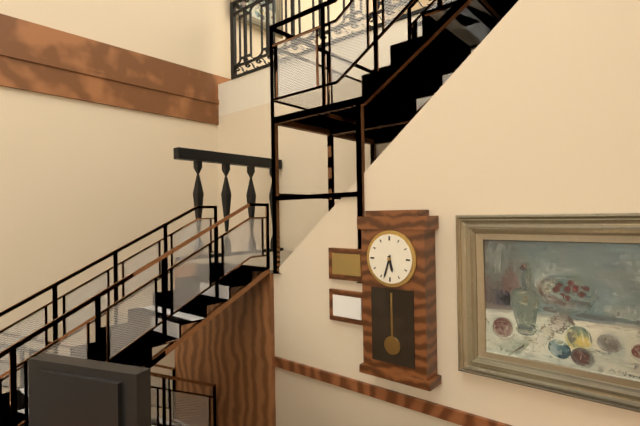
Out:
5,33
